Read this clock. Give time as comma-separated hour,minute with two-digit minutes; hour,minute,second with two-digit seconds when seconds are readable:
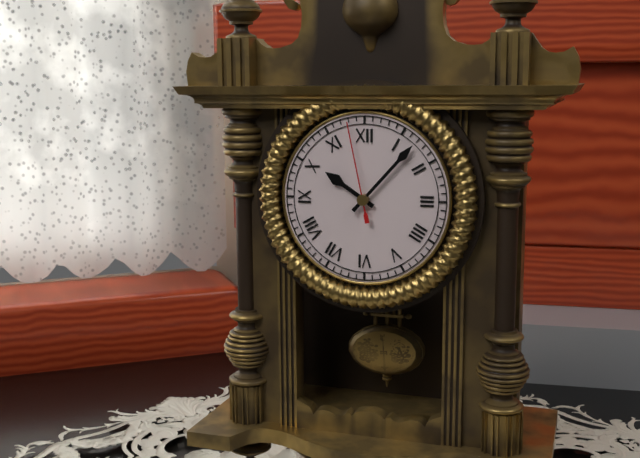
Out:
10,07,58
